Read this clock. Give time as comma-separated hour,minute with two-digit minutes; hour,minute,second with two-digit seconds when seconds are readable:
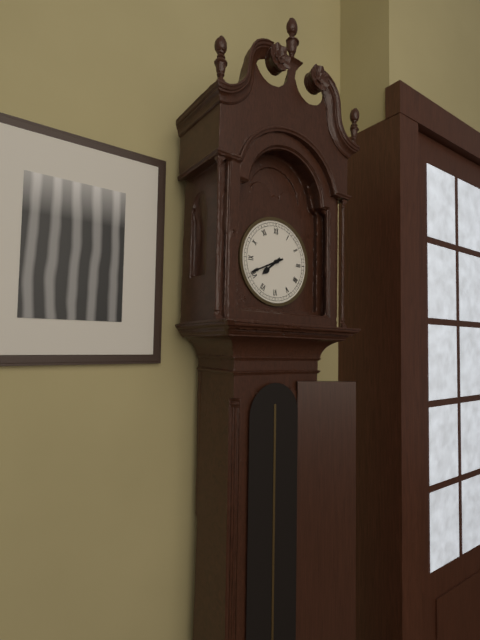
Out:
7,41
